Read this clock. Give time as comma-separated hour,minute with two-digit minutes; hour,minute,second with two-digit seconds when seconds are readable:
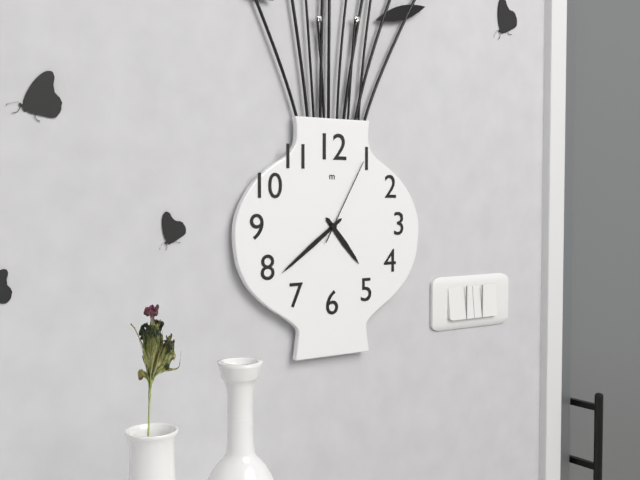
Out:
4,39,05
